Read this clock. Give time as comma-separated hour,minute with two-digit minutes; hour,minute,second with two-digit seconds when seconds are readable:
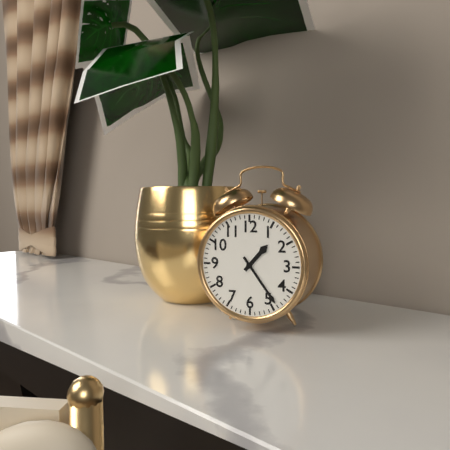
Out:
1,24
